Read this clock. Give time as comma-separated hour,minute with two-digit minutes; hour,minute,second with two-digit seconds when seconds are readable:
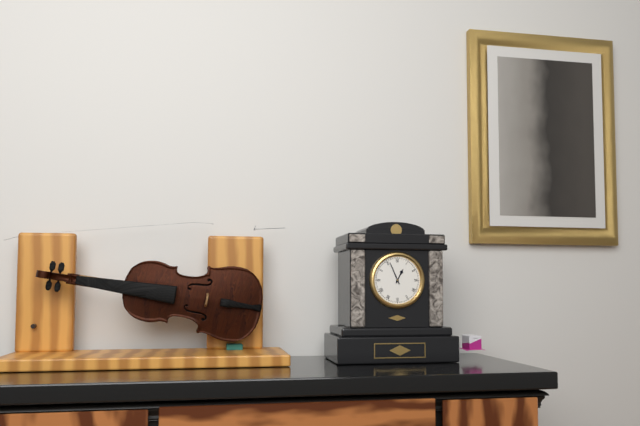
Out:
12,56
